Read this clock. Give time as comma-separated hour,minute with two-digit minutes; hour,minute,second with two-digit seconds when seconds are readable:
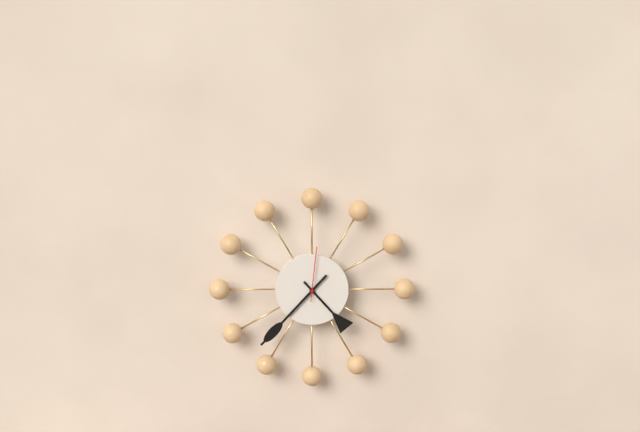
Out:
4,37,01
